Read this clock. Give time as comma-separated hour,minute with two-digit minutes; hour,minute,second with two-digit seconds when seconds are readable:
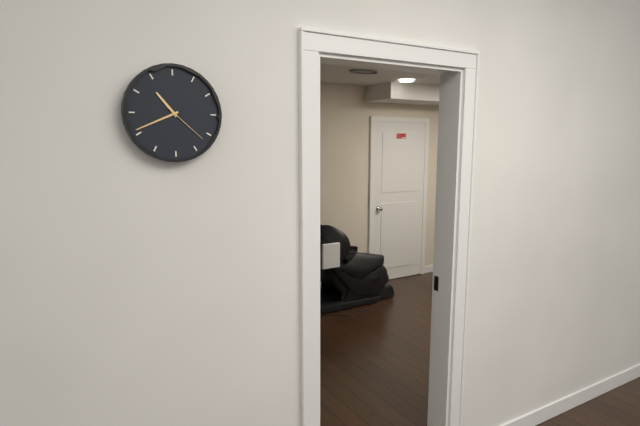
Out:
10,41
